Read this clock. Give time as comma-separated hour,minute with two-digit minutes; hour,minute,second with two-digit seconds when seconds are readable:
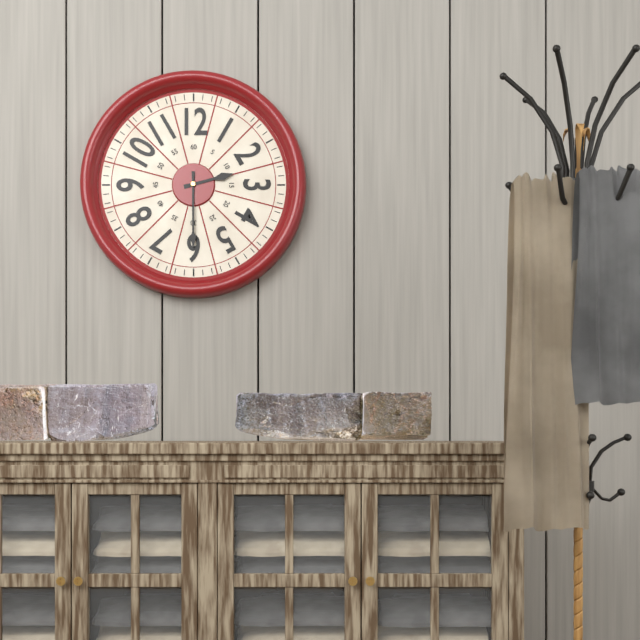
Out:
2,30
